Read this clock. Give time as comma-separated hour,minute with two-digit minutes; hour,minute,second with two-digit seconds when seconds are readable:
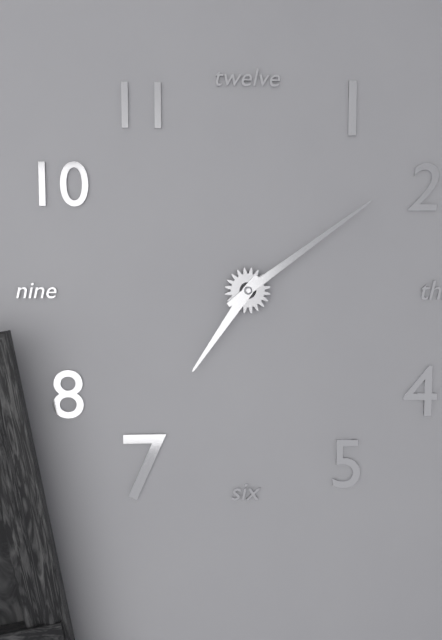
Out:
7,09
